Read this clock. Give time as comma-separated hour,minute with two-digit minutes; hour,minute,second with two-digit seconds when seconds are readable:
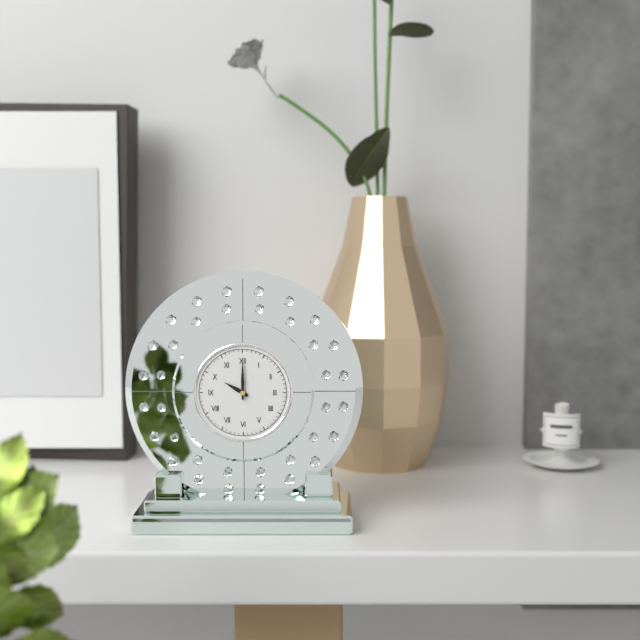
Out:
10,00
